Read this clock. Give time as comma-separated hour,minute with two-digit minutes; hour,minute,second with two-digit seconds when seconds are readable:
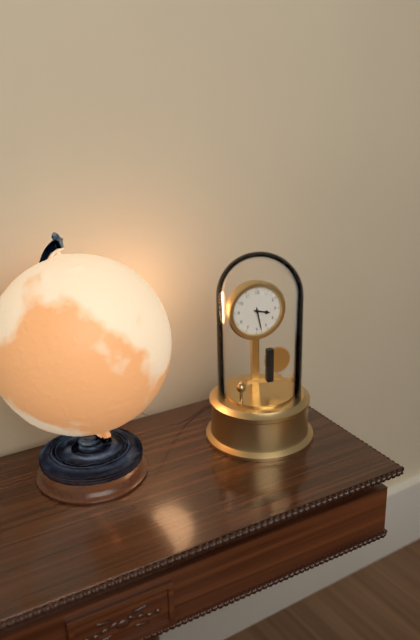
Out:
3,28
